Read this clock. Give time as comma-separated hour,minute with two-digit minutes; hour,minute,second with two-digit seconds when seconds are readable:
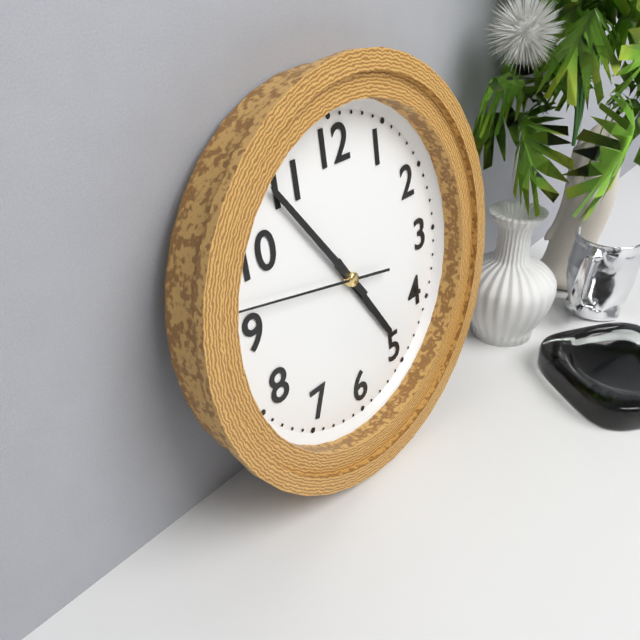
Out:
4,54,47
